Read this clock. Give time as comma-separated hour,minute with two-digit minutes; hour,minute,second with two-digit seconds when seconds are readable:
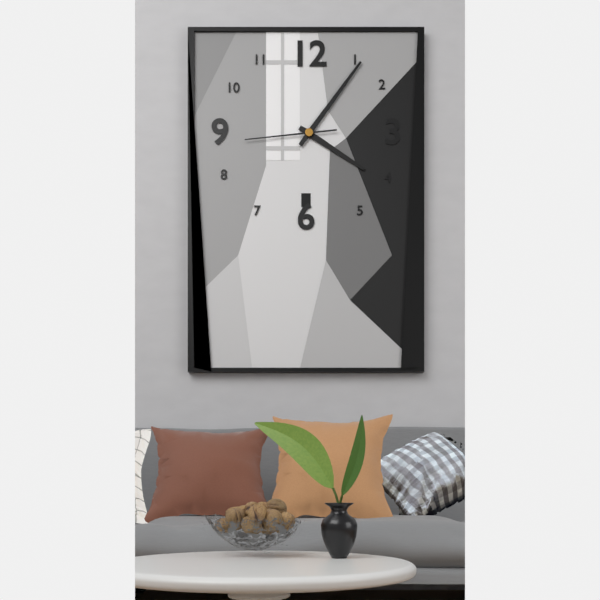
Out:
4,06,44
